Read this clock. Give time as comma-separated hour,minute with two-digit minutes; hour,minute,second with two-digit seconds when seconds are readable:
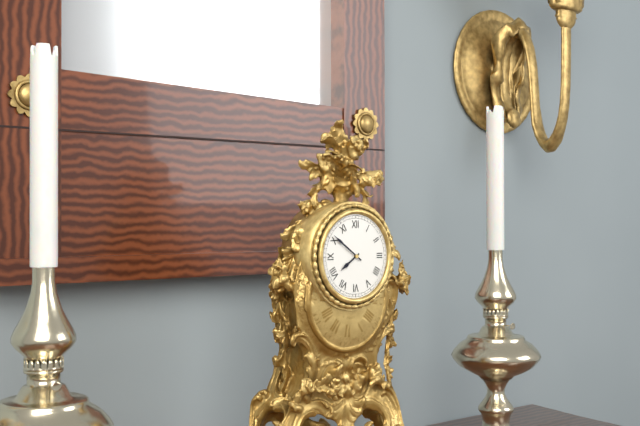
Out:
7,51
